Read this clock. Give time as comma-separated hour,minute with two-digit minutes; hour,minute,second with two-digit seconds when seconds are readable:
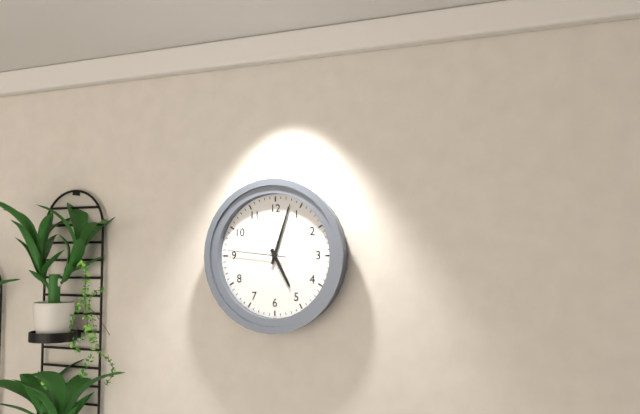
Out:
5,03,46
